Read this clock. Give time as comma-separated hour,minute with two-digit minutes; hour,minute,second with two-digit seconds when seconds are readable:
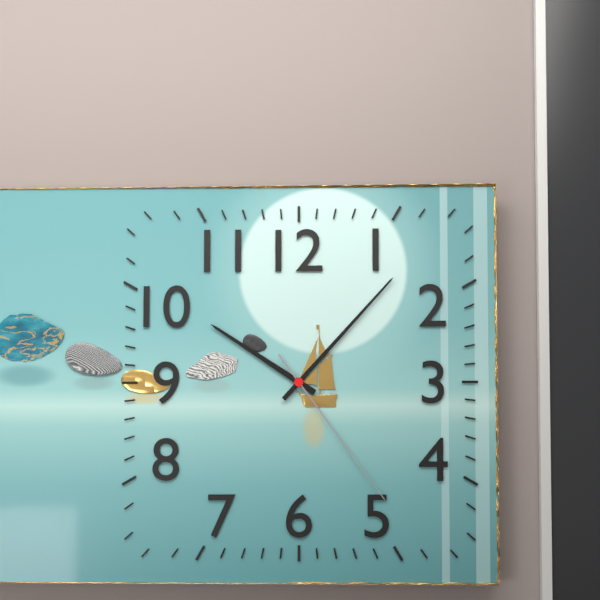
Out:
10,07,24
